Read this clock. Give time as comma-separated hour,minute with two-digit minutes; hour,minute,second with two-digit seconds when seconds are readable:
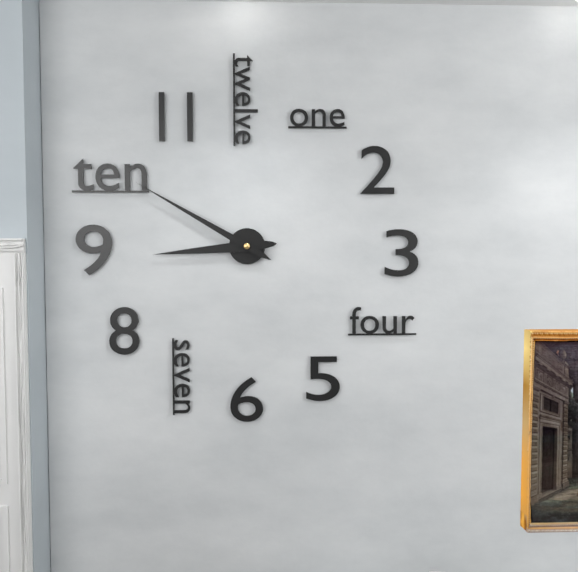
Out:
8,50
